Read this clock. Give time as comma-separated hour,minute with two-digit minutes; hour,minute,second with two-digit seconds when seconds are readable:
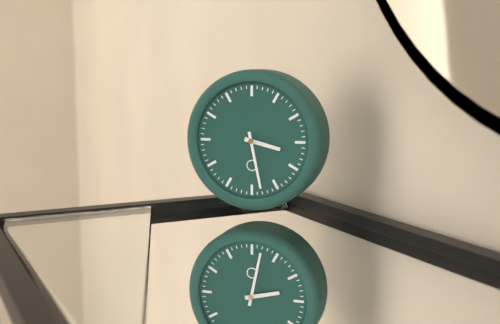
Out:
3,28
